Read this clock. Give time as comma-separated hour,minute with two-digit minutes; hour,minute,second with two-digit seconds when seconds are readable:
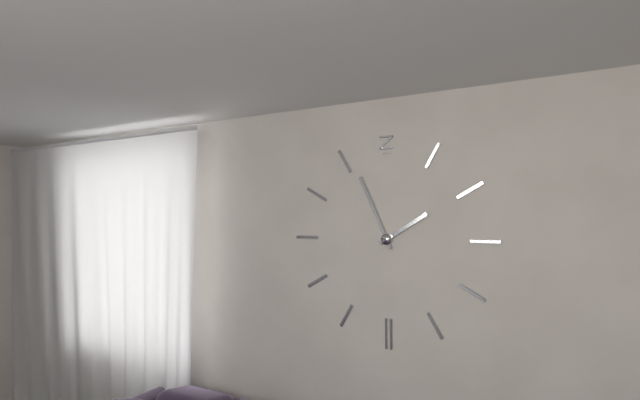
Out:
1,56
